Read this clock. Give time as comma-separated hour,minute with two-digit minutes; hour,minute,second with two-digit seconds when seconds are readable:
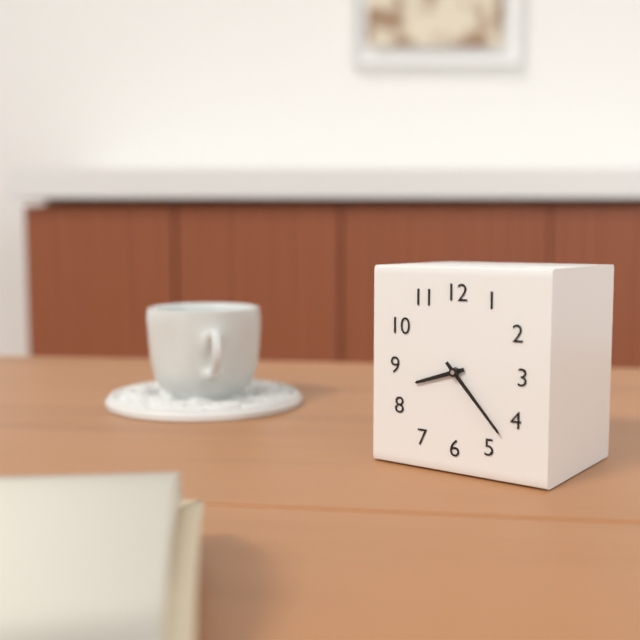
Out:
8,23
